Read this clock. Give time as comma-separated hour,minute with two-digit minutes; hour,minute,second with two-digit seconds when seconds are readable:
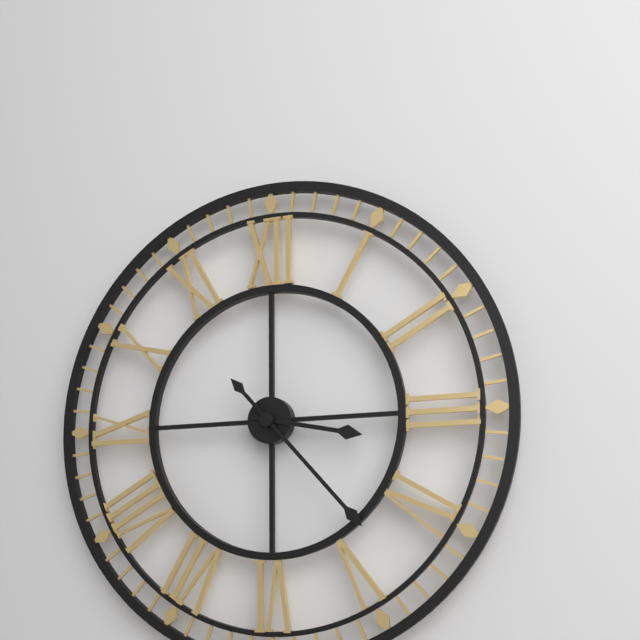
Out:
3,23
